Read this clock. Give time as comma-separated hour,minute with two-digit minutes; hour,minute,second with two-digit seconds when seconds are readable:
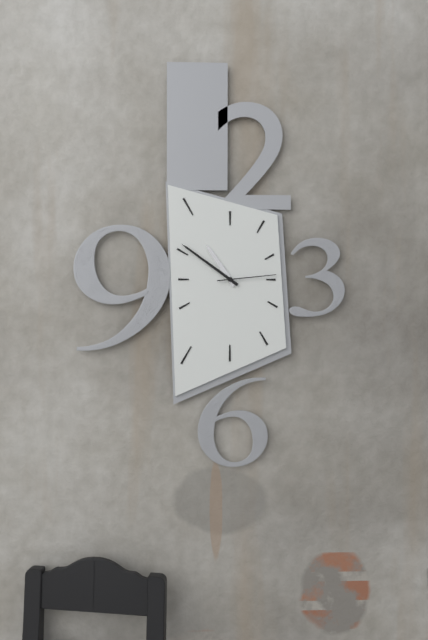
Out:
10,51,14
